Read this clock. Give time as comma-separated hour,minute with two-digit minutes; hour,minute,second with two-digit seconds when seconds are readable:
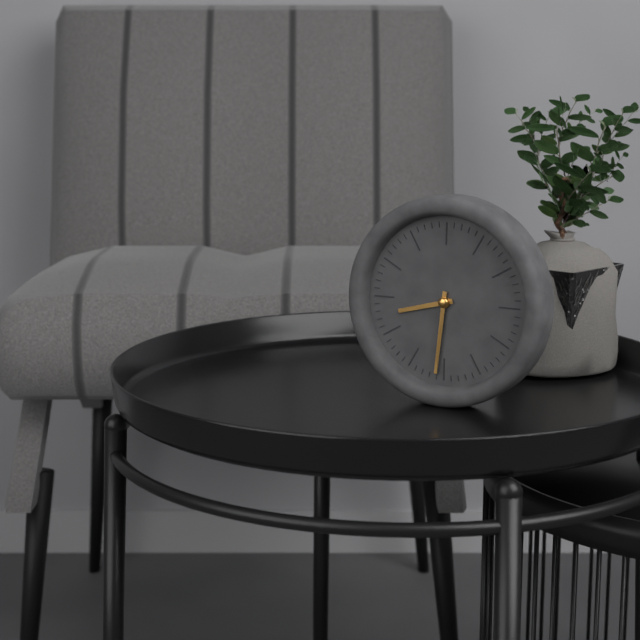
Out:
8,31
